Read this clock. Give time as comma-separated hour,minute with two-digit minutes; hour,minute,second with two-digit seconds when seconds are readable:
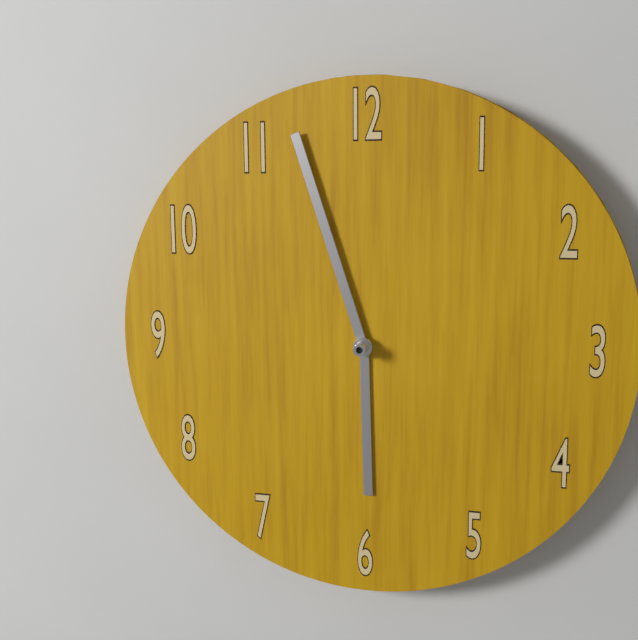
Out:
5,57
